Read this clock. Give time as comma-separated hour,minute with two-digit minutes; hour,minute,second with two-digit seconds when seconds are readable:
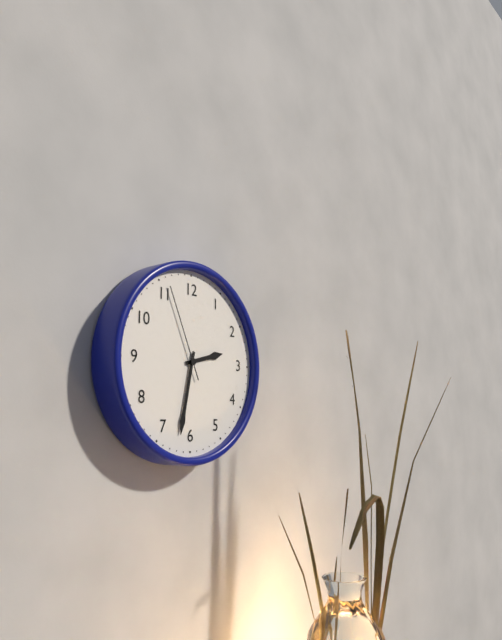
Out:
2,32,56
